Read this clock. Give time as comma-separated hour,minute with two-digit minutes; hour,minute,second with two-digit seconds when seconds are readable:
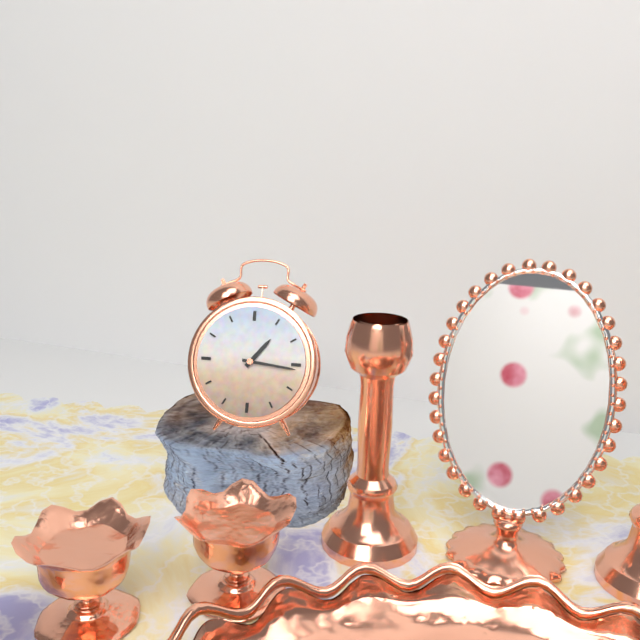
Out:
1,16
